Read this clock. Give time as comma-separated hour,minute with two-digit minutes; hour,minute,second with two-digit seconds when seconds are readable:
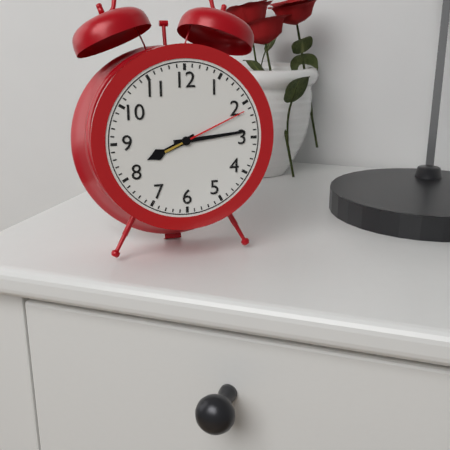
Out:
8,14,11
